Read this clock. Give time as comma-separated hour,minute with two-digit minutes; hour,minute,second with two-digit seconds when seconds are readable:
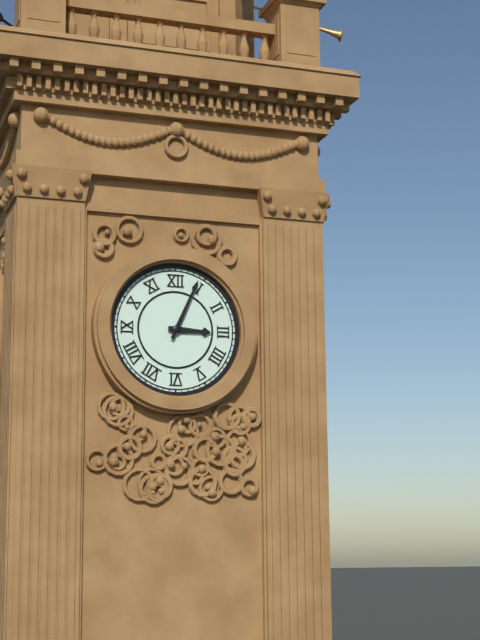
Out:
3,04
